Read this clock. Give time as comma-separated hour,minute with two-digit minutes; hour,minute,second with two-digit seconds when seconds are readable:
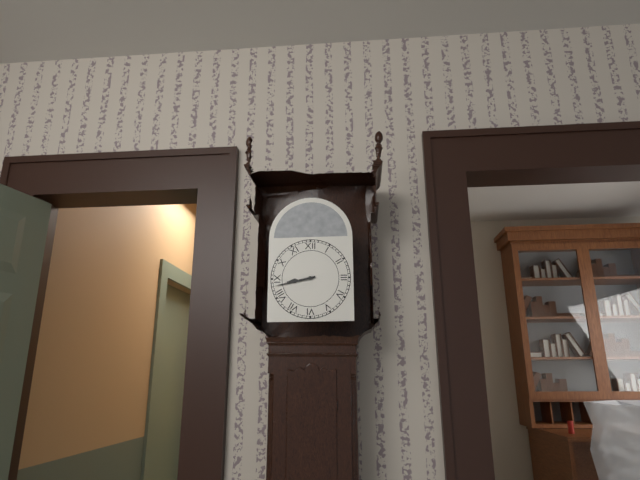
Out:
8,43
